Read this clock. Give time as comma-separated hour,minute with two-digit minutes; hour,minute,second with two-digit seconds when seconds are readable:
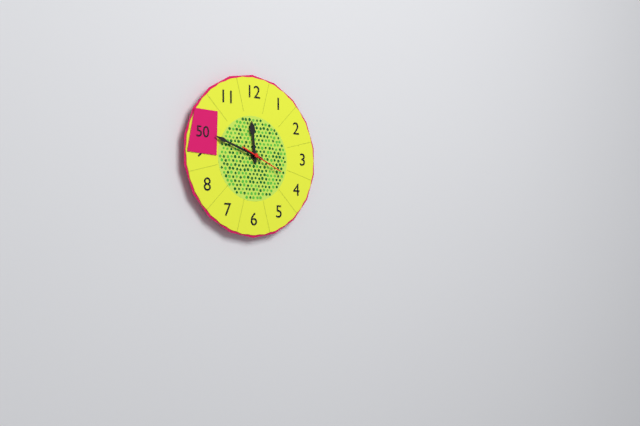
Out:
11,48
